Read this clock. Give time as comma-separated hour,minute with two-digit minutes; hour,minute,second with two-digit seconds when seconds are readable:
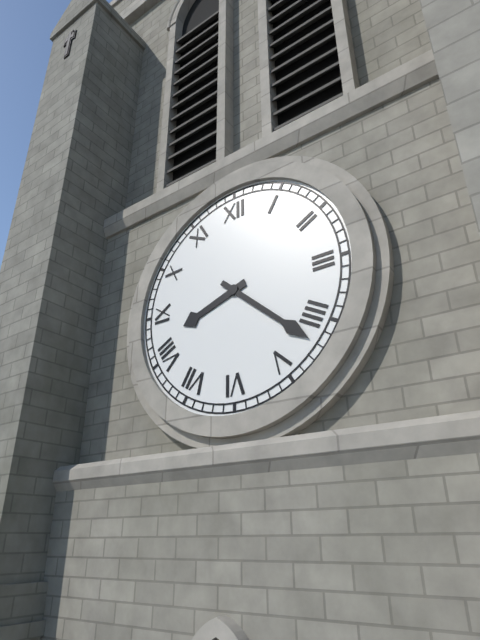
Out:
8,22
